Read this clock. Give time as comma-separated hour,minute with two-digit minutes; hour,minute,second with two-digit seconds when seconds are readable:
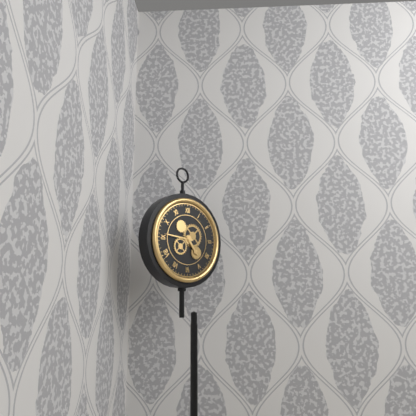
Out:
4,46
